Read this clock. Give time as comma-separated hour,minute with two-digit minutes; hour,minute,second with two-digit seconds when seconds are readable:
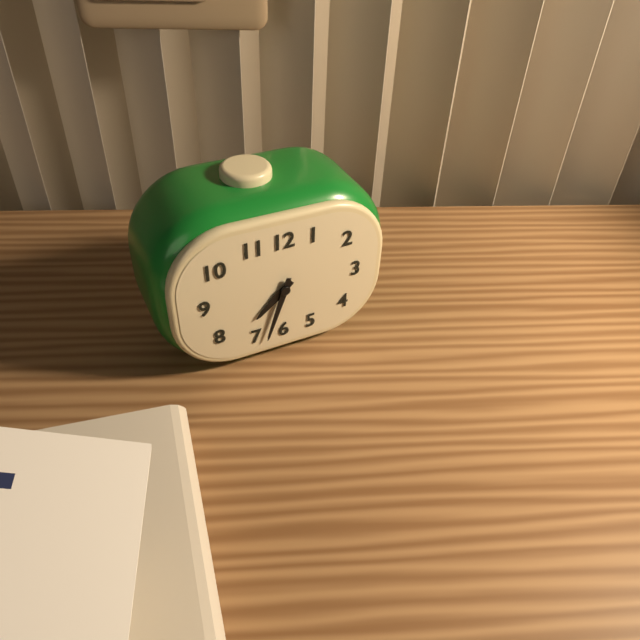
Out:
7,33
